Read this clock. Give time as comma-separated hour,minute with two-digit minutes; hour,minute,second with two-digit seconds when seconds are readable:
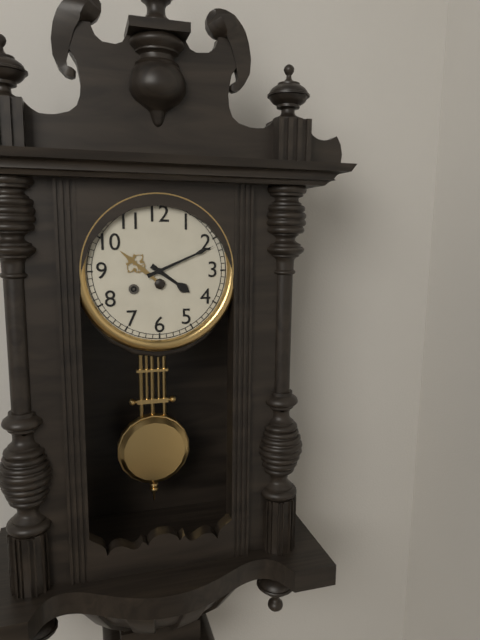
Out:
4,11
